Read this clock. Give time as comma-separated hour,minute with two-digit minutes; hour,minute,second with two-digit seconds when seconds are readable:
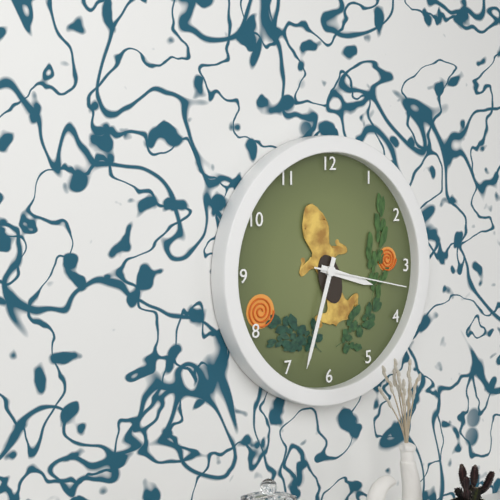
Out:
3,33,17
